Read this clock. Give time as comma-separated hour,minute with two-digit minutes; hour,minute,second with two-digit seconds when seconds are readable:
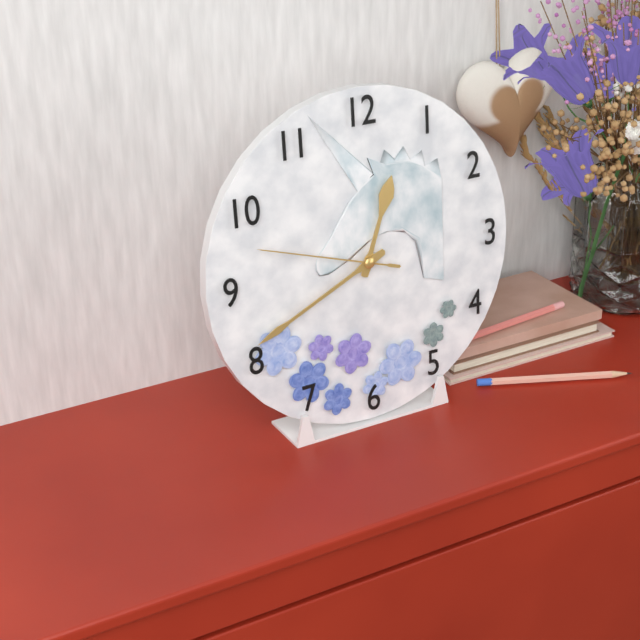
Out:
12,41,48
